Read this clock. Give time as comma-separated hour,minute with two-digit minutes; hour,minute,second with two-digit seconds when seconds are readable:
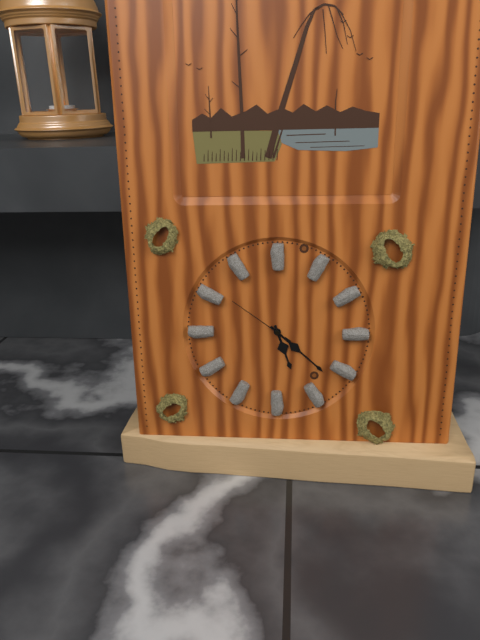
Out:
5,22,51
